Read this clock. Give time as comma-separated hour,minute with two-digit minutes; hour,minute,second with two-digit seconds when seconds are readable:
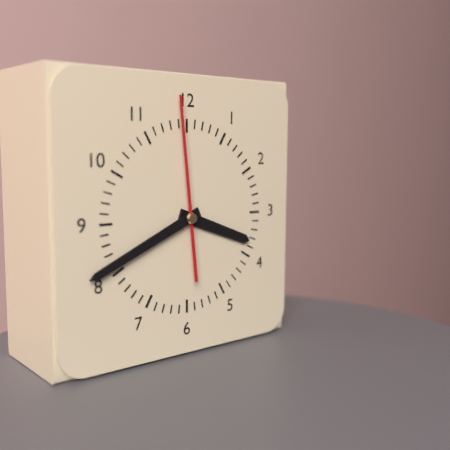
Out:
3,41,59
